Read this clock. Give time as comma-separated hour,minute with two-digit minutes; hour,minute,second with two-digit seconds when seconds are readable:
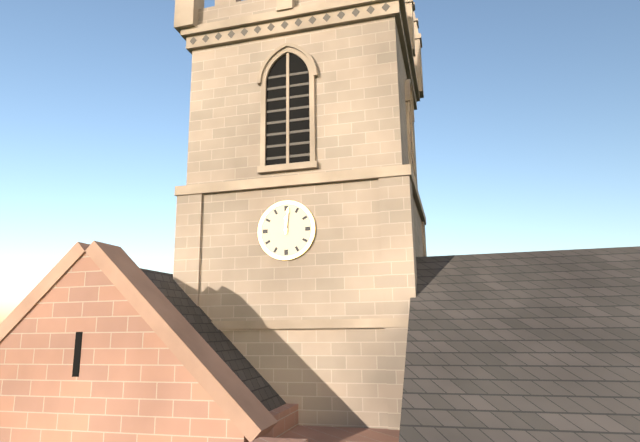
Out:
12,01
